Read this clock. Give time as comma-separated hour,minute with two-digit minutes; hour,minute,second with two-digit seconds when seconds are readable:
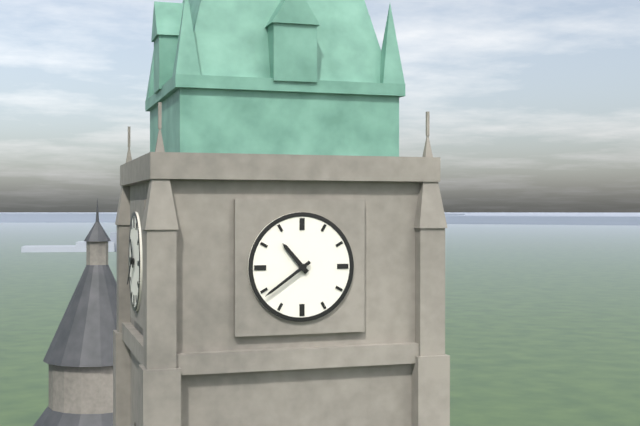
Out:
10,39
